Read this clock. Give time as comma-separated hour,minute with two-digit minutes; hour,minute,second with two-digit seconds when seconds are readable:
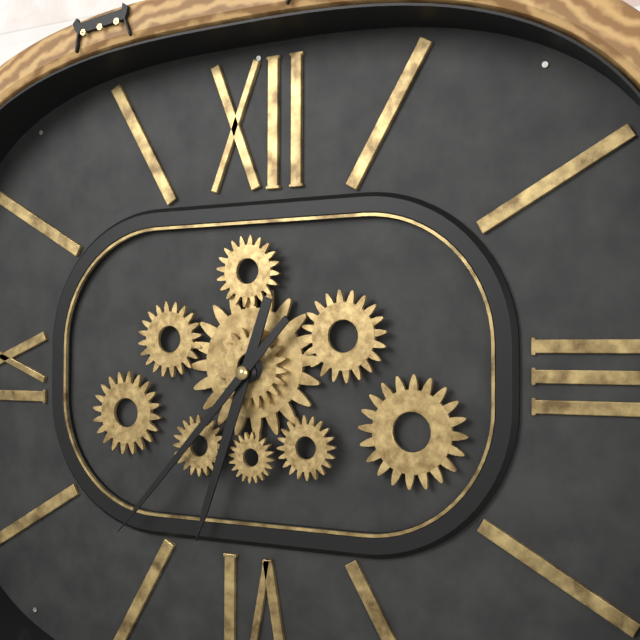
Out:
6,37
